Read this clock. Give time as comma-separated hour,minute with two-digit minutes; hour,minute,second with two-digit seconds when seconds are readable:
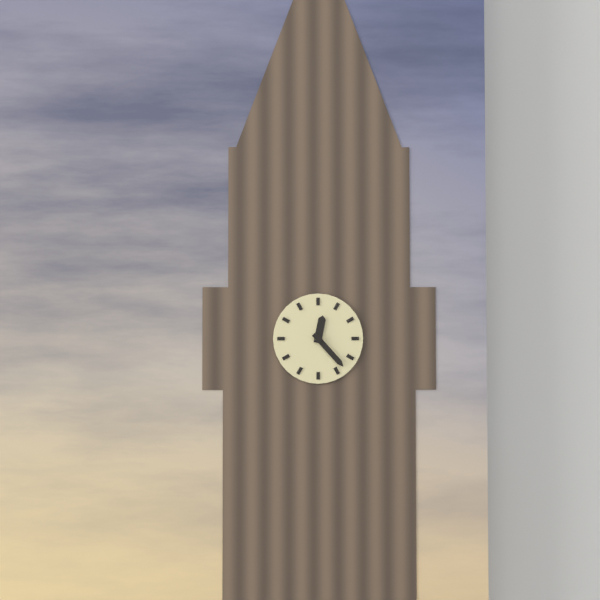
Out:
12,23
